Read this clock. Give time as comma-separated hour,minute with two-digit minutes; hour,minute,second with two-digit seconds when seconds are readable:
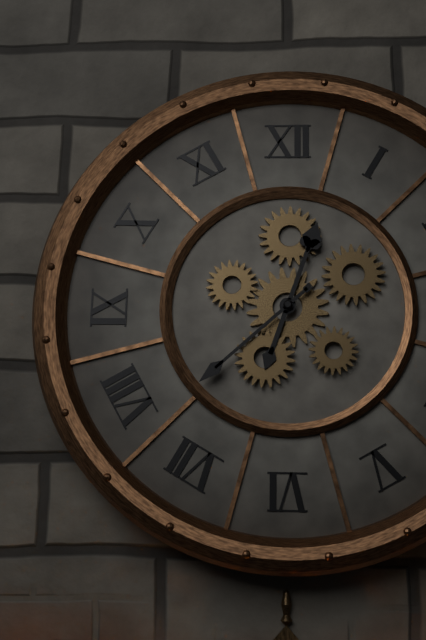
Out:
12,38
